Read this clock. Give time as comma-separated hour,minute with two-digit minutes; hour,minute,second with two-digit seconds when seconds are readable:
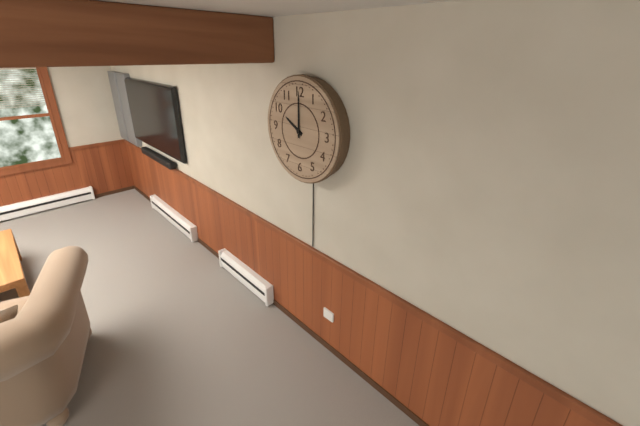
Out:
10,00
